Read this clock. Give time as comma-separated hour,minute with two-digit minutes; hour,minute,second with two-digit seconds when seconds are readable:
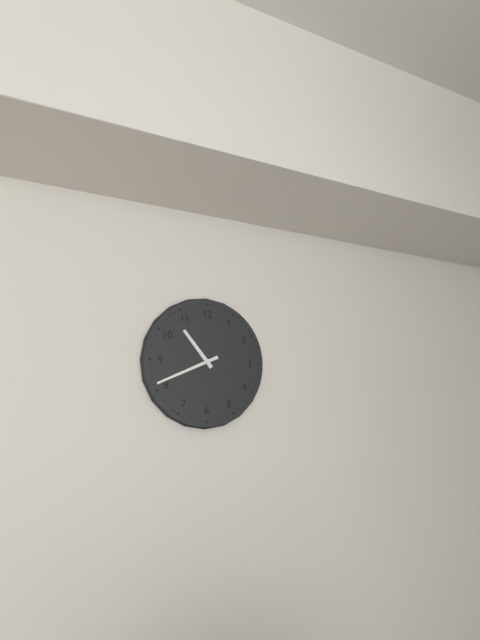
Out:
10,41
